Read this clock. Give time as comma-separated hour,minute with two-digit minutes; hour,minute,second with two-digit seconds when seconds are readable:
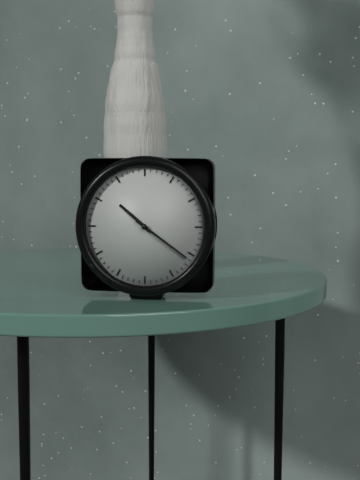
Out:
10,21
